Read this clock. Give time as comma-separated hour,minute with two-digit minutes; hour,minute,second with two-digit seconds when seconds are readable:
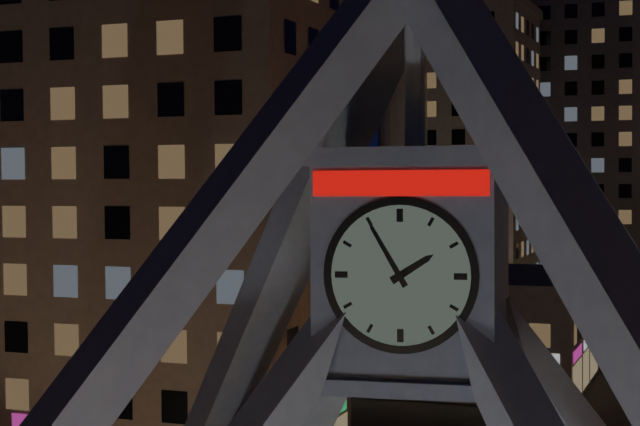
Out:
1,55
